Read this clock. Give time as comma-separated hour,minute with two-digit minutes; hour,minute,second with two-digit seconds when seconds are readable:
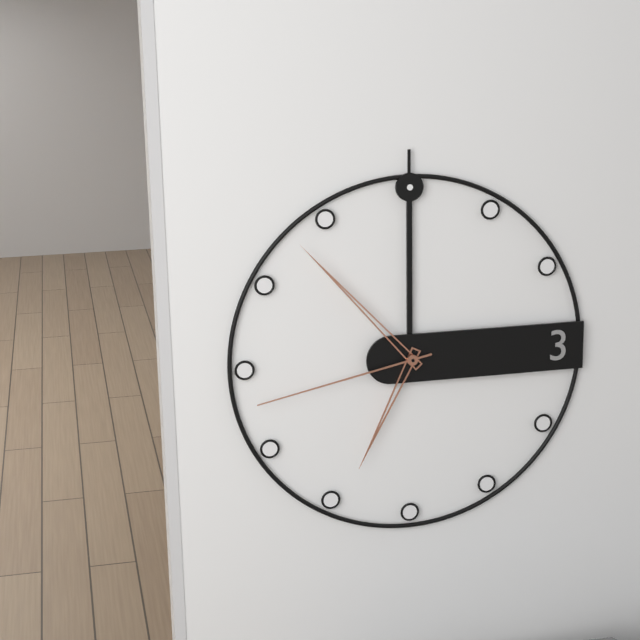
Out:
6,53,43
